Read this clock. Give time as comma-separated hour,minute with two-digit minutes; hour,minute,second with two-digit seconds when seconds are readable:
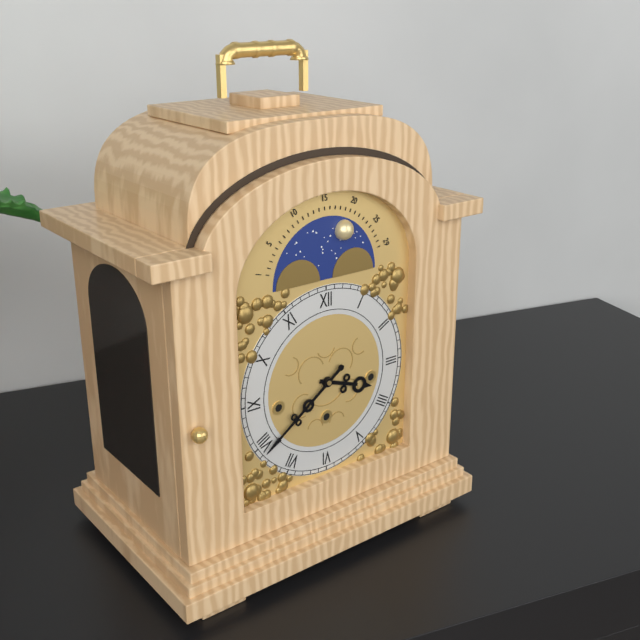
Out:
3,39
